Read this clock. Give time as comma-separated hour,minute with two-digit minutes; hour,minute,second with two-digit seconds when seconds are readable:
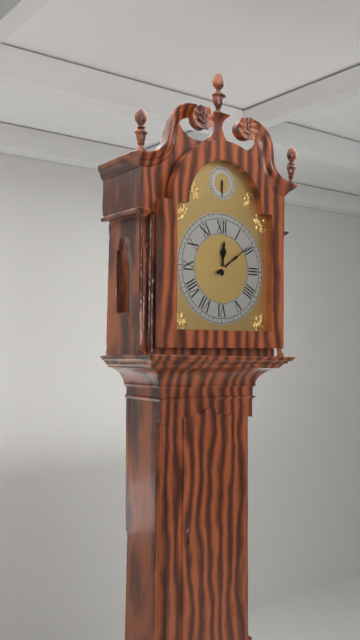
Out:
12,09
